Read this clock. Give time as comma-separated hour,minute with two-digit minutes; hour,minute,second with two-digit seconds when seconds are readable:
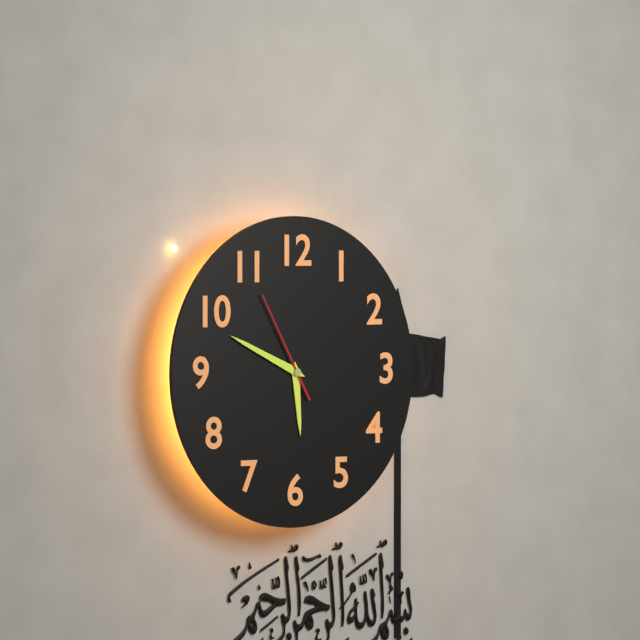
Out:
5,49,55
